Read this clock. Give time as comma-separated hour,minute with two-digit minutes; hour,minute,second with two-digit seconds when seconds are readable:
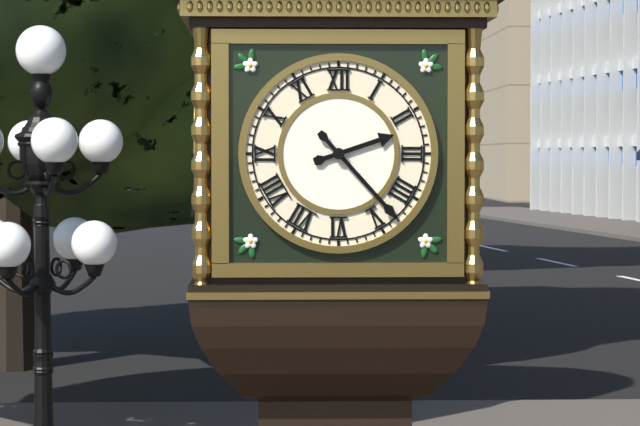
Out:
2,23
